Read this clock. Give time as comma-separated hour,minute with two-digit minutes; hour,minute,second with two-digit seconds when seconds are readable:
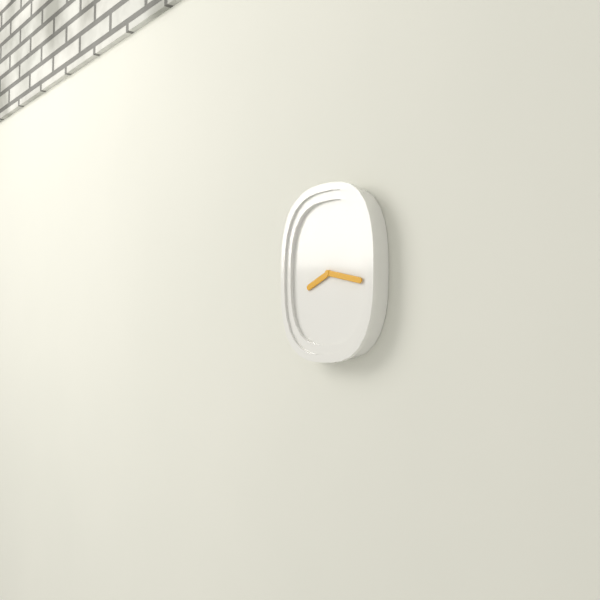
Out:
8,17
